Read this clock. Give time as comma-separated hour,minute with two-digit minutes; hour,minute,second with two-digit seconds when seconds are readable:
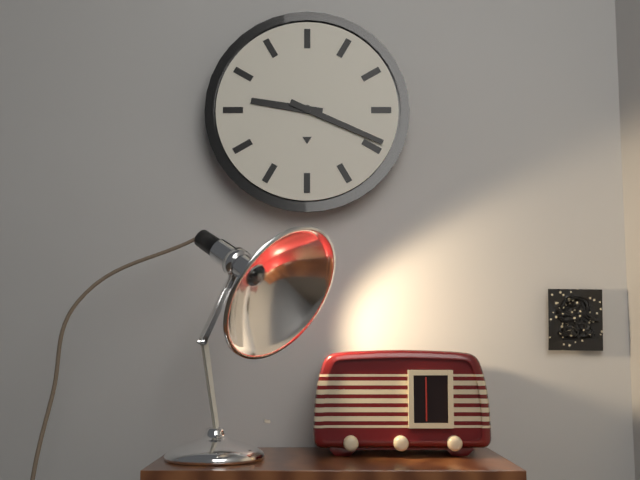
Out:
9,19
